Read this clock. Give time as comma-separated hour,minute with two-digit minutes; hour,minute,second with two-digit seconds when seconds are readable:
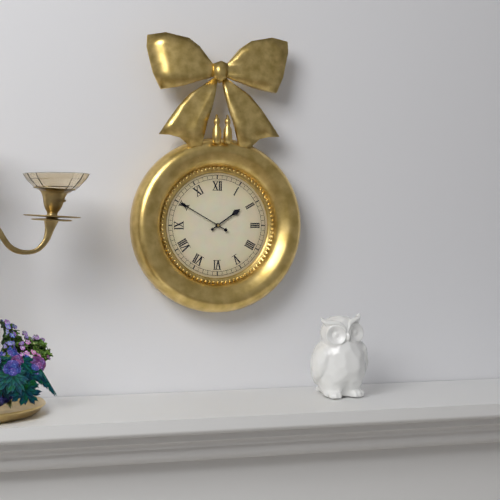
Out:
1,50
